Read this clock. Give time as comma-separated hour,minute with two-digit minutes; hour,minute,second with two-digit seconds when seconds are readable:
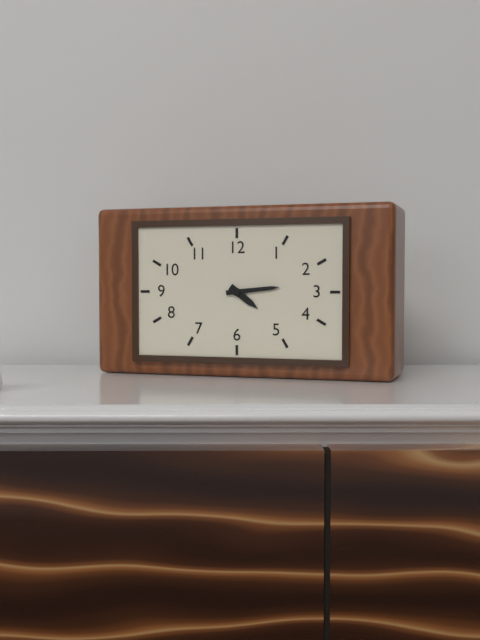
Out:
4,14
